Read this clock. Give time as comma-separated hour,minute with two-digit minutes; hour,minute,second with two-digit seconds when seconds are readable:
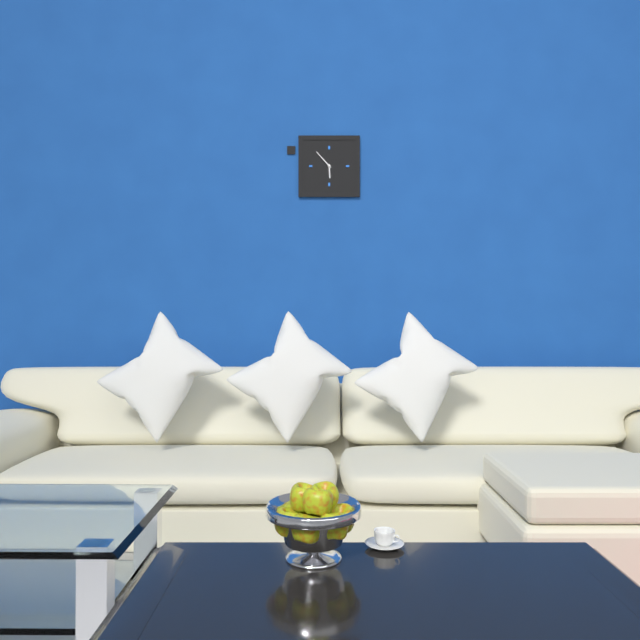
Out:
5,53
